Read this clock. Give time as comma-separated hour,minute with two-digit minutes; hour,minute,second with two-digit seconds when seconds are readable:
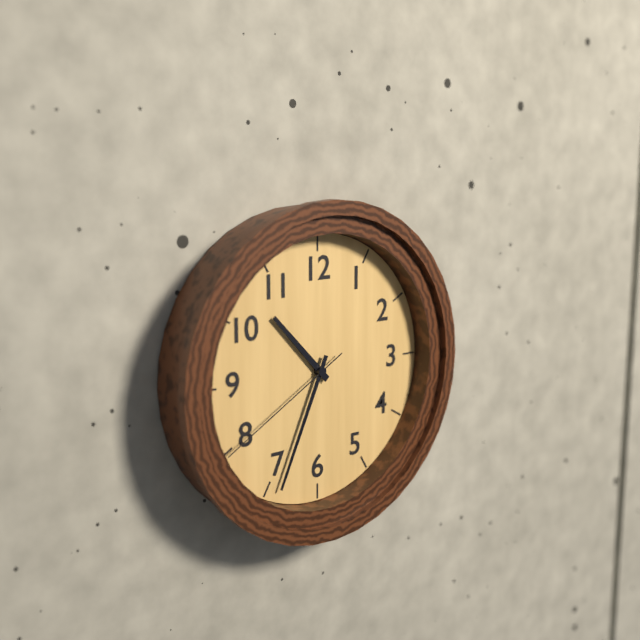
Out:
10,34,40
